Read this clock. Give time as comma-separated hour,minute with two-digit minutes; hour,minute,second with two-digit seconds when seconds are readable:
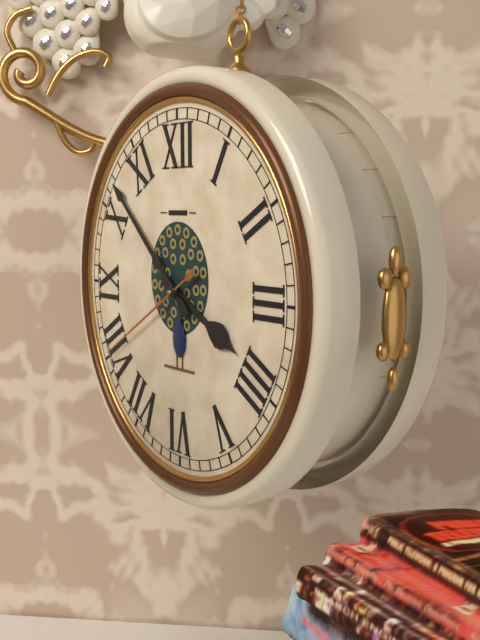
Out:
3,52,40
